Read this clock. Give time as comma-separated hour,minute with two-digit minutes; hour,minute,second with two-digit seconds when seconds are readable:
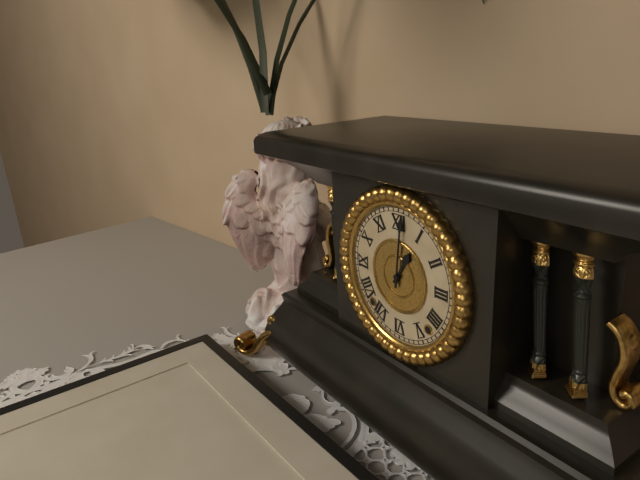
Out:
1,01
